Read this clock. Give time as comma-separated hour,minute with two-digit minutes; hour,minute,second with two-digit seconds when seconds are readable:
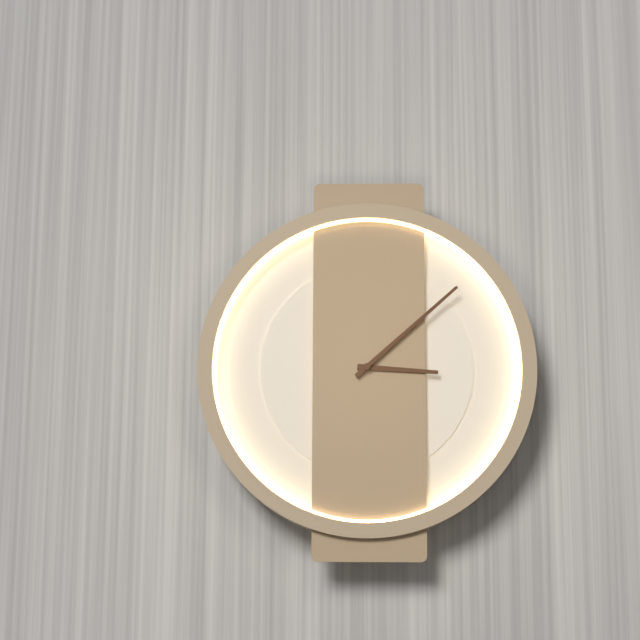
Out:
3,08
